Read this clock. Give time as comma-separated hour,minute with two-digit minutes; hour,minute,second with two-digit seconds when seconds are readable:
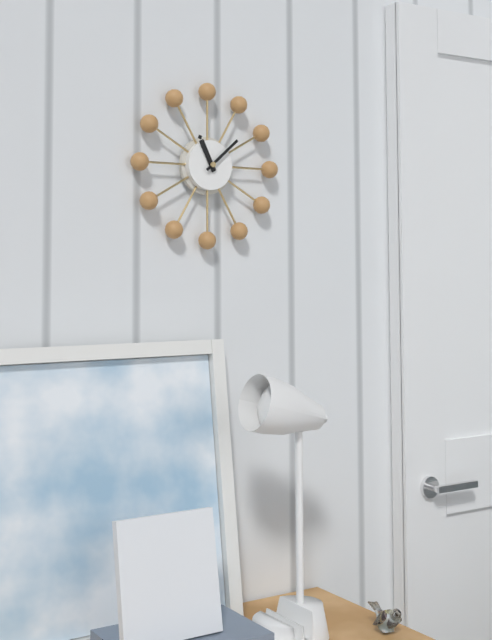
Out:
11,08
